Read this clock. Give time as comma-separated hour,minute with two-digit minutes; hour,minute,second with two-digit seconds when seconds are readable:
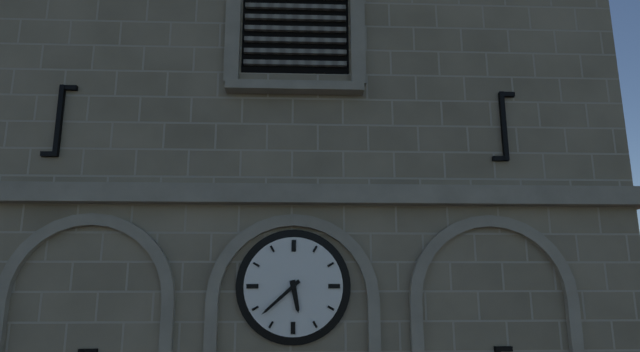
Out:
5,38
